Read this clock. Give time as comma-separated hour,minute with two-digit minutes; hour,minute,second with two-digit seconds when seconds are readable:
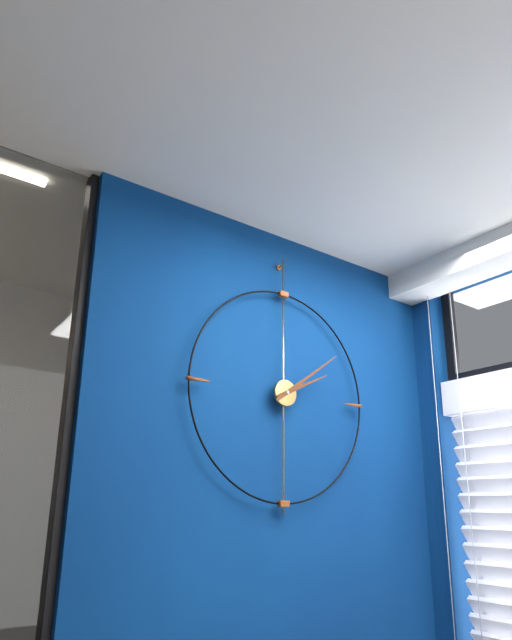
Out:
2,09
